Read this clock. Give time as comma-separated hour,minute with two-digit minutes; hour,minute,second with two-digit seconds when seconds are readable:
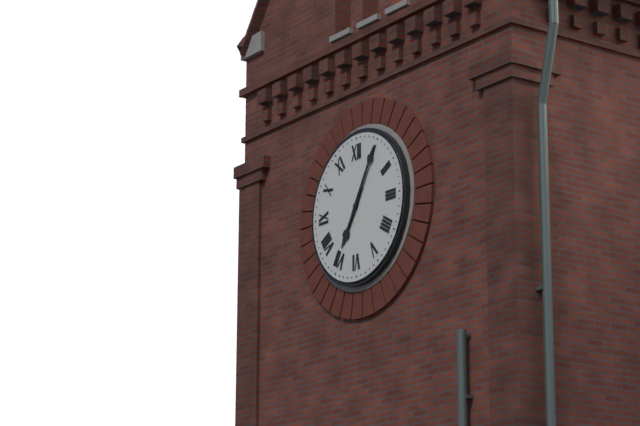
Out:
7,05
